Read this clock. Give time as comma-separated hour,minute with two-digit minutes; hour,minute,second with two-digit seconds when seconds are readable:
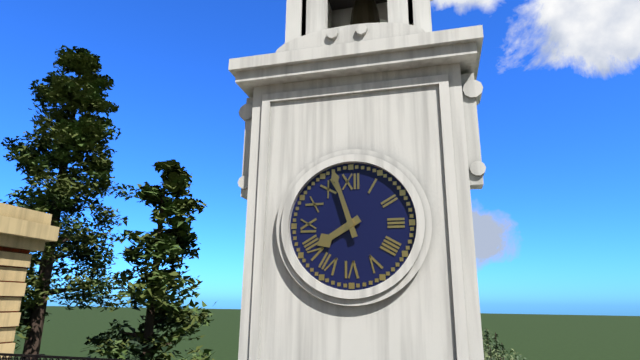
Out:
7,57
